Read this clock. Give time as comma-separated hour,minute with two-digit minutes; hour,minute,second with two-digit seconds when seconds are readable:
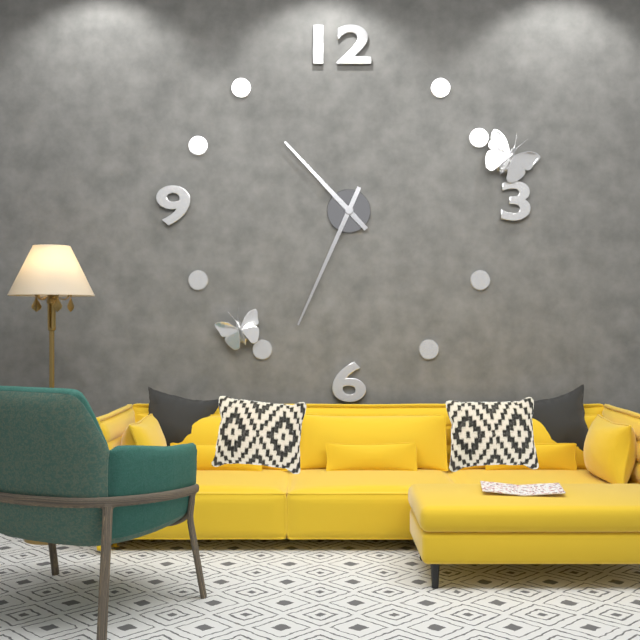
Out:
10,34
